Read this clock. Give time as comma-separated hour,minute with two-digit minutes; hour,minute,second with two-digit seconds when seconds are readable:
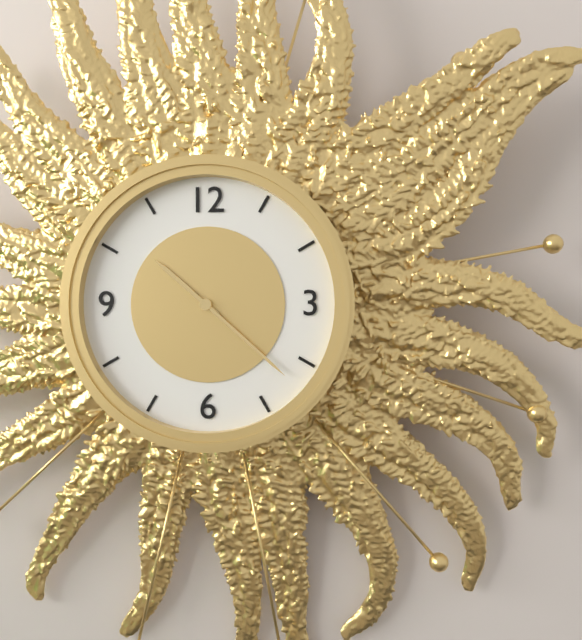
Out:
10,22
